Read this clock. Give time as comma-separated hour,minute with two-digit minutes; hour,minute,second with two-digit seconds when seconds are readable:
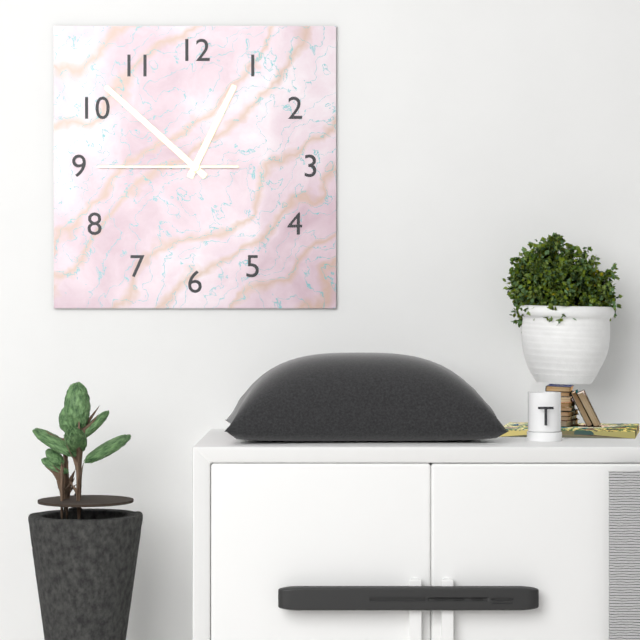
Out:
12,52,45
